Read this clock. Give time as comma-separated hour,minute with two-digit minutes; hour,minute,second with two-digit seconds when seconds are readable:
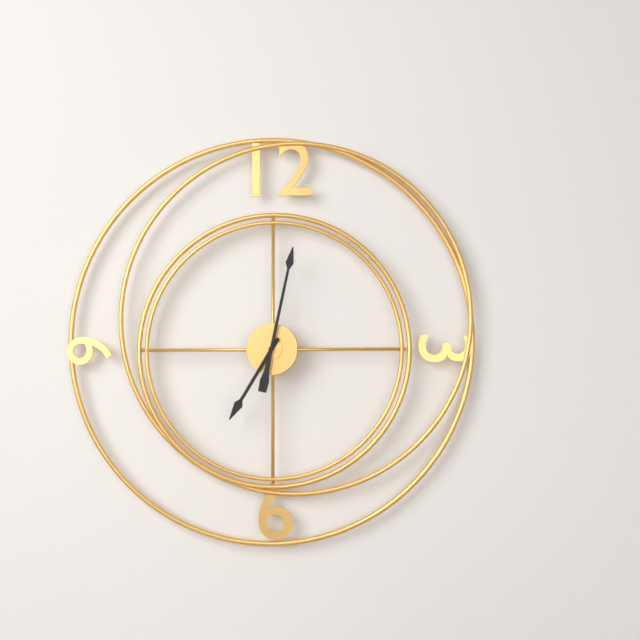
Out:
7,02
